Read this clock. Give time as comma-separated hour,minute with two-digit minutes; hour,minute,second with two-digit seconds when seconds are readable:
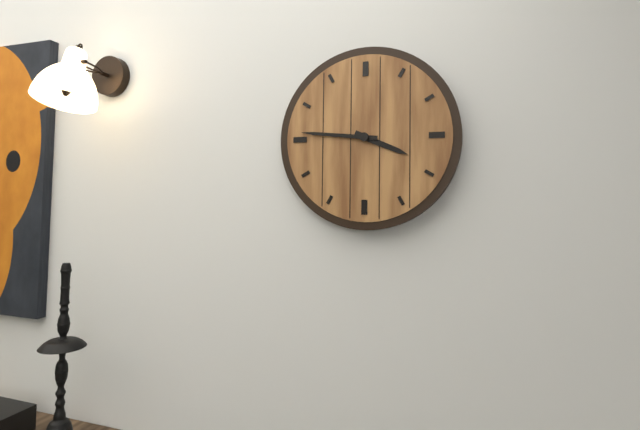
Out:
3,46
